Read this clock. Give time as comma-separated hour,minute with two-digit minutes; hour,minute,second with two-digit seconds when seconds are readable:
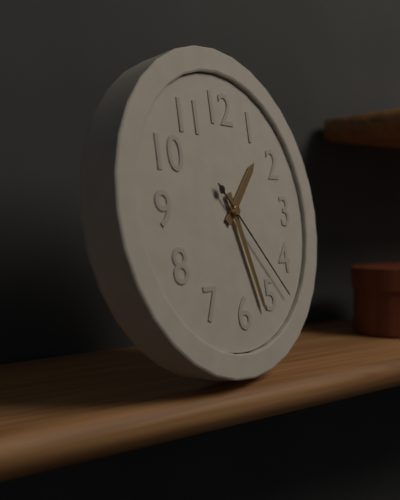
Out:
1,27,23
